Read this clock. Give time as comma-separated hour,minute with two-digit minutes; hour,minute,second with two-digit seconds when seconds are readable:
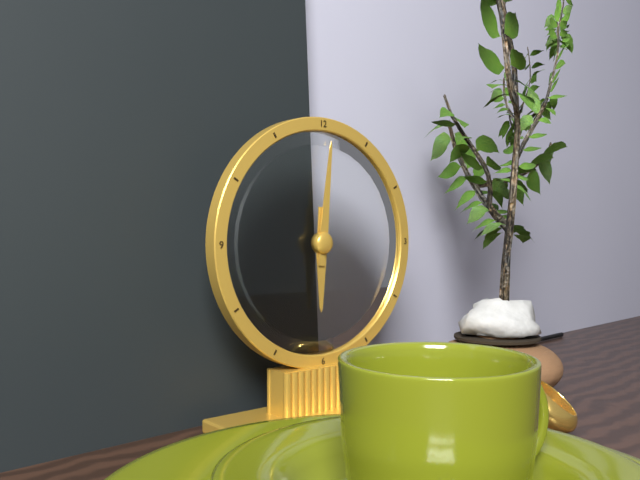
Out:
6,01
